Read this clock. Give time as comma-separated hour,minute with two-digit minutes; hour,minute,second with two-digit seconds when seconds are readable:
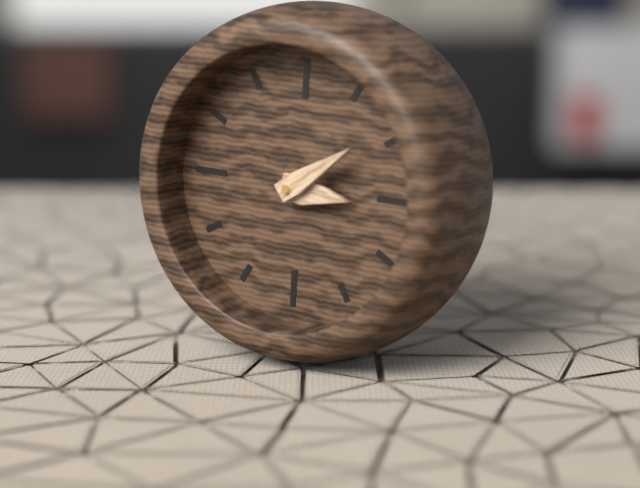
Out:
3,09
